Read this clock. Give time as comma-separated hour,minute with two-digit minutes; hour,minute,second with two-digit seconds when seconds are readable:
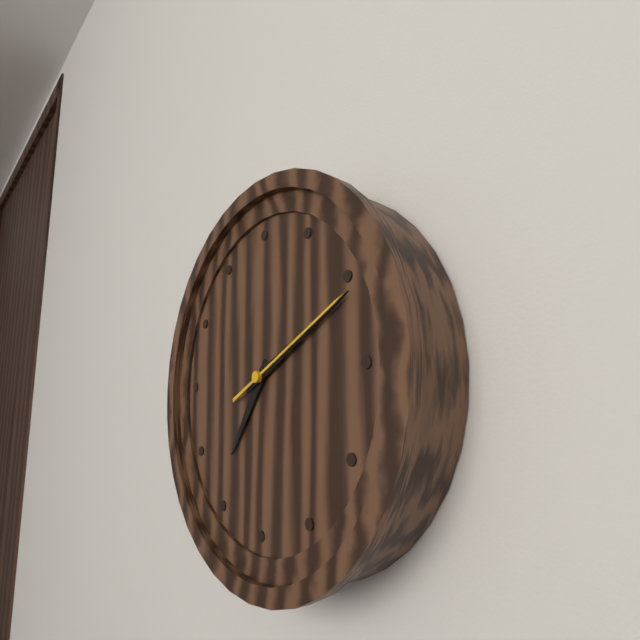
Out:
7,11,11
